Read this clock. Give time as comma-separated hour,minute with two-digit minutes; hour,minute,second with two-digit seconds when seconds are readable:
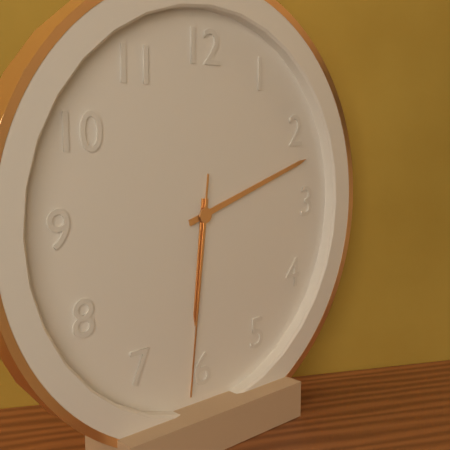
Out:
6,12,31
